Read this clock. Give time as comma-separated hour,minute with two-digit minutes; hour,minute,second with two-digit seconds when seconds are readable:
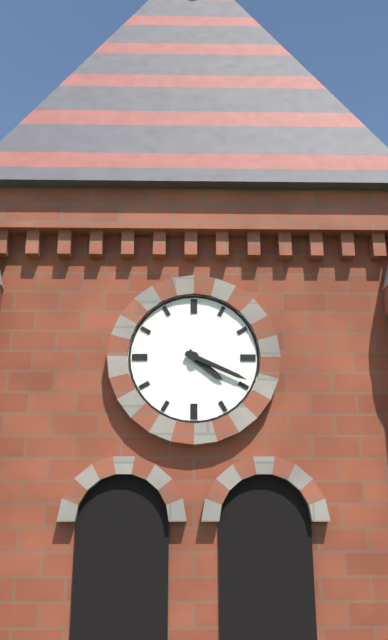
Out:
4,19
